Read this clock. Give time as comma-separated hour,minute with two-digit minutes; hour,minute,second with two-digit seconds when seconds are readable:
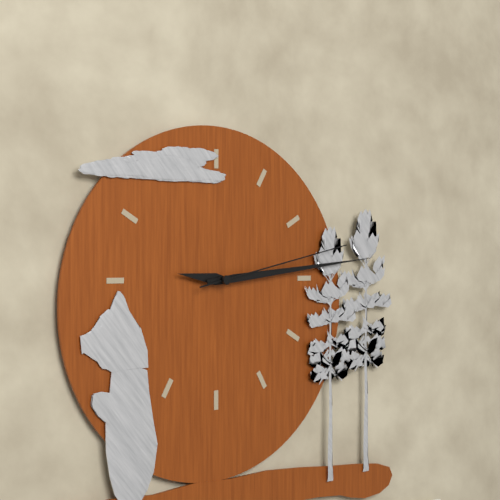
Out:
9,14,13
